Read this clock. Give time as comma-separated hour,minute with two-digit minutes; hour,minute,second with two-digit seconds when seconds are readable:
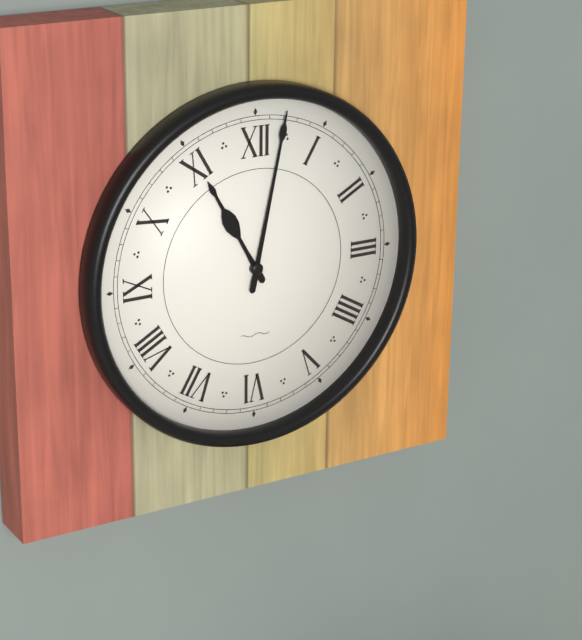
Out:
11,02
